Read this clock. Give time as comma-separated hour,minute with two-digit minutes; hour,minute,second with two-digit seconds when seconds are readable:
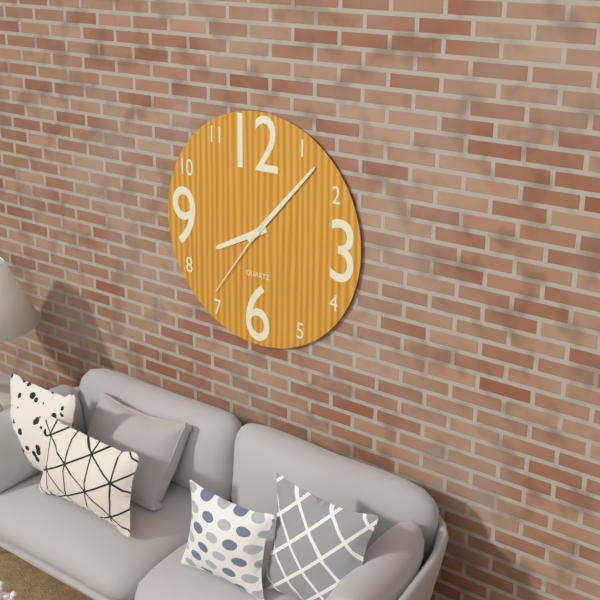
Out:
8,07,36
